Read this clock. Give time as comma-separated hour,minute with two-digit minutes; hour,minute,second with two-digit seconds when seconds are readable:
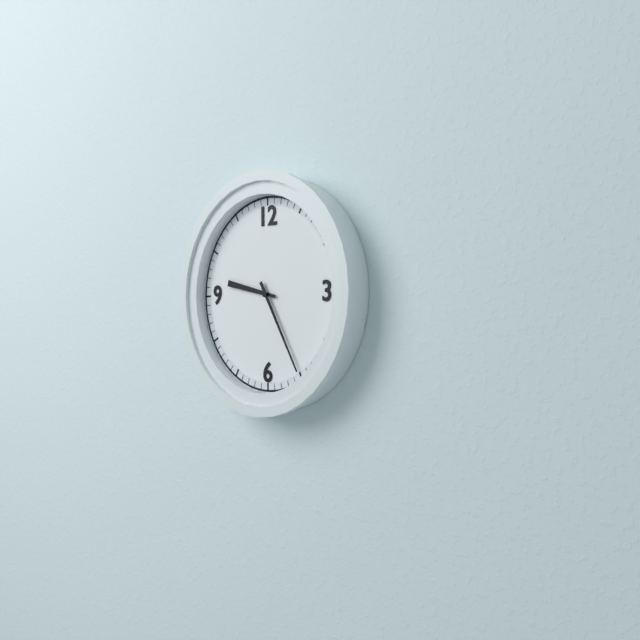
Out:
9,25
